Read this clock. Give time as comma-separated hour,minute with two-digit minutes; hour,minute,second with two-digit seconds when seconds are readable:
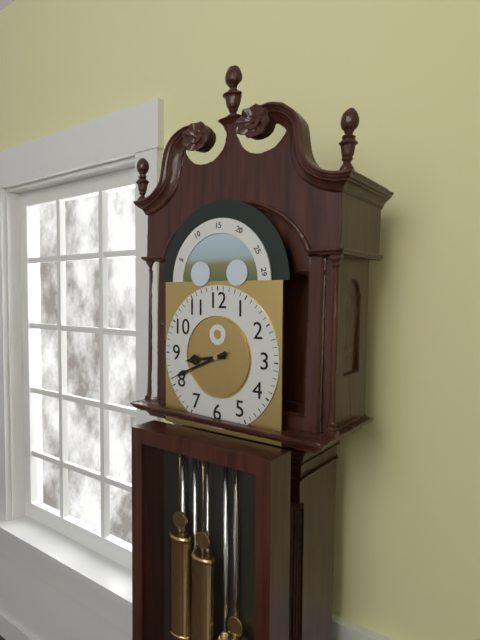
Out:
8,41
